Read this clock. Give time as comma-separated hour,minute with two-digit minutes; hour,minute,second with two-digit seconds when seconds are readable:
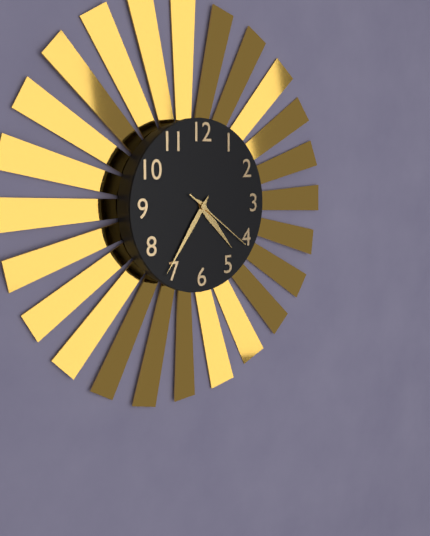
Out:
4,36,21
